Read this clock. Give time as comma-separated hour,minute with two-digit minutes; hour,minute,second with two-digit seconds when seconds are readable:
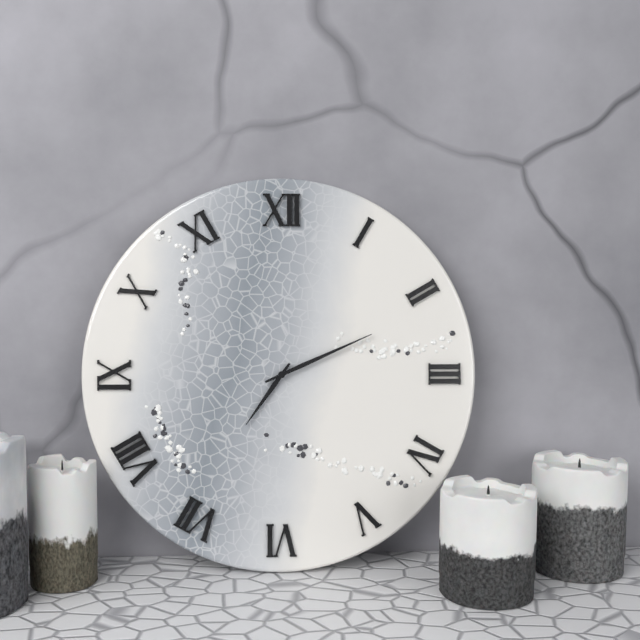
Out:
7,11
